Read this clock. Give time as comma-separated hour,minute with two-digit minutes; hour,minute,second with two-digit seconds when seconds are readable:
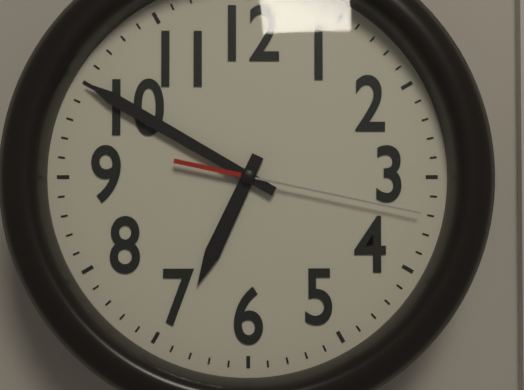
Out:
6,50,17
